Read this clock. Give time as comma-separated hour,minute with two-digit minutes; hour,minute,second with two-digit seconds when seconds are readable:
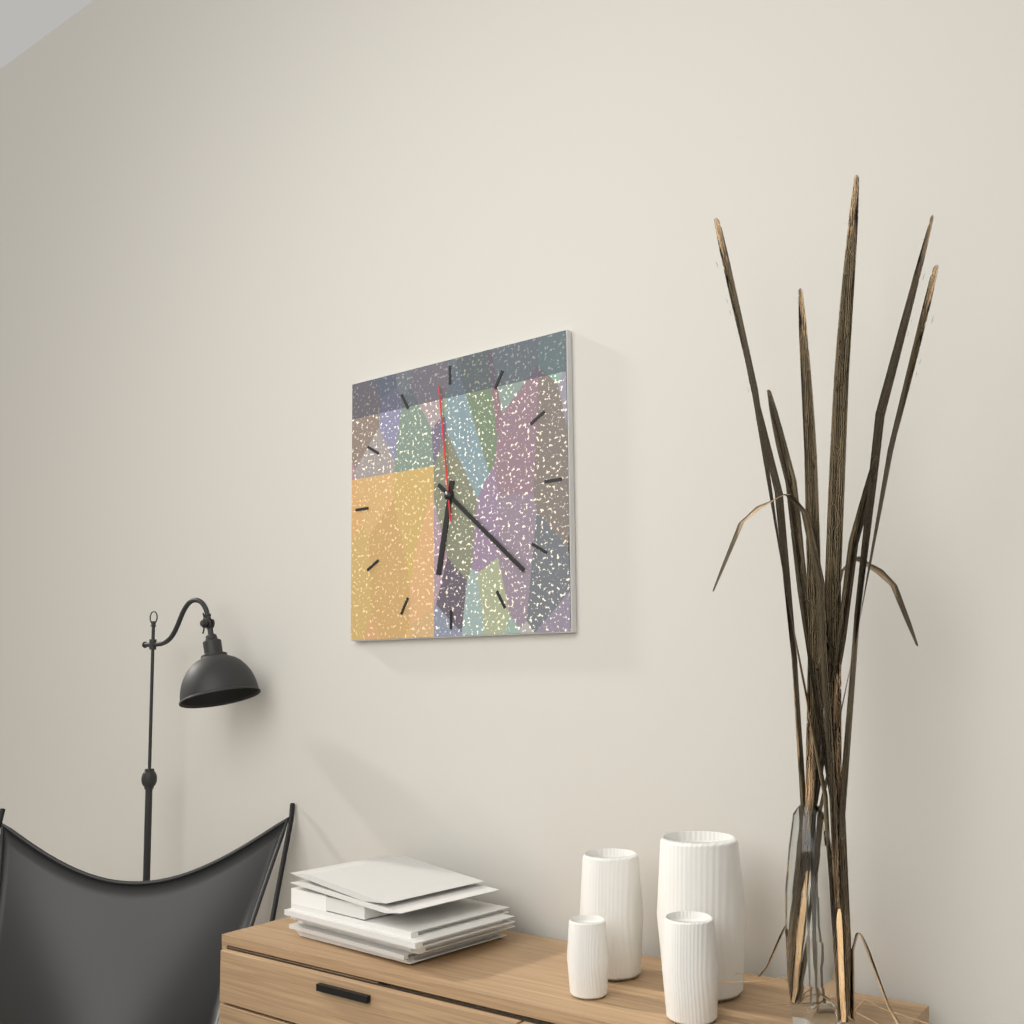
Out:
6,22,59
